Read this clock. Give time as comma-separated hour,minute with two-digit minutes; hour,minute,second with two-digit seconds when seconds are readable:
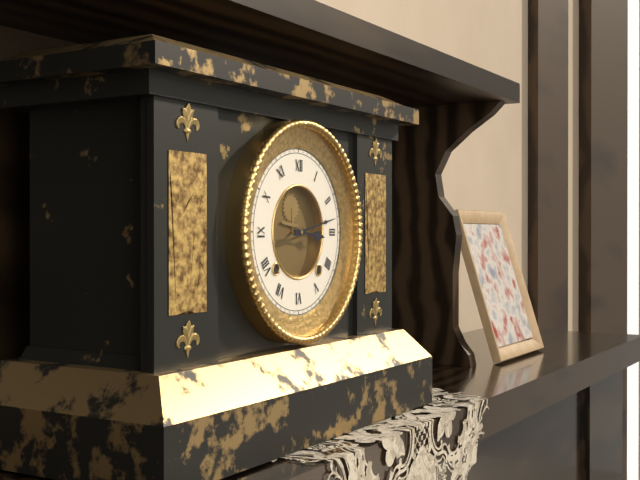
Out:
3,13
